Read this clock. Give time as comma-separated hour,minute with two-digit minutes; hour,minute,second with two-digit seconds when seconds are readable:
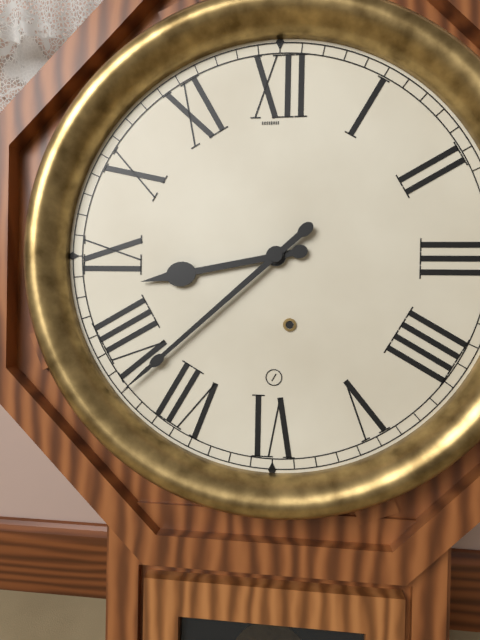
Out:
8,38
